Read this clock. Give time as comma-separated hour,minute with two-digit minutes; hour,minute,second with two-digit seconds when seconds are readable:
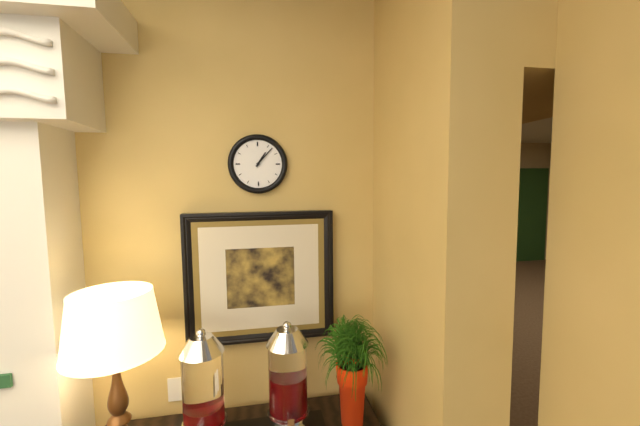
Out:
1,07
